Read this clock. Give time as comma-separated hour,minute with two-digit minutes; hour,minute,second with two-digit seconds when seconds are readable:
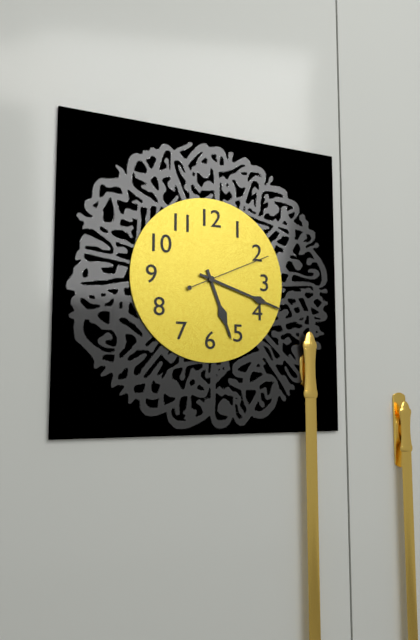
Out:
5,18,11
